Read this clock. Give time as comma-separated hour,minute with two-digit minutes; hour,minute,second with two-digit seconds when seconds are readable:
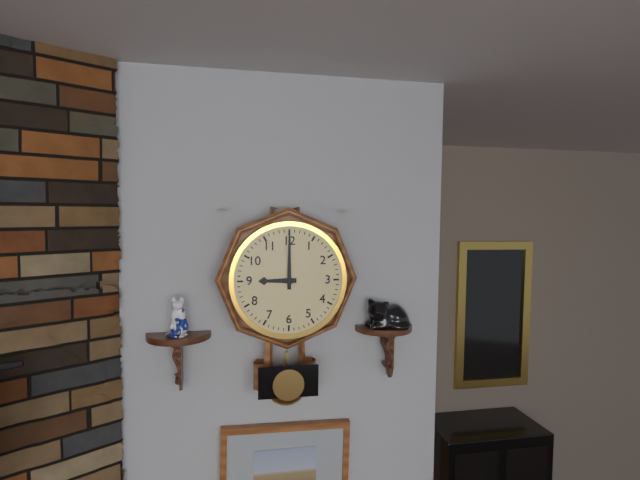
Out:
9,00
